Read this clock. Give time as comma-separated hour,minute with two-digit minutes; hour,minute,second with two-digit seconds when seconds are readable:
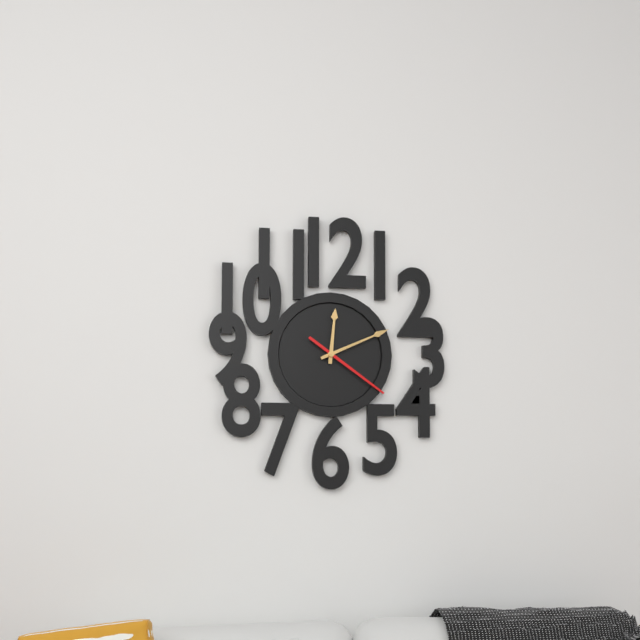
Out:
12,11,21
